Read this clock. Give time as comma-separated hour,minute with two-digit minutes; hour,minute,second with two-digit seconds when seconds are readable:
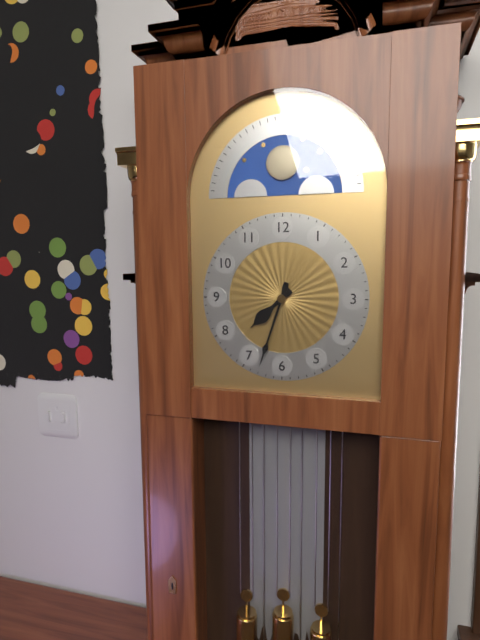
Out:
7,33
